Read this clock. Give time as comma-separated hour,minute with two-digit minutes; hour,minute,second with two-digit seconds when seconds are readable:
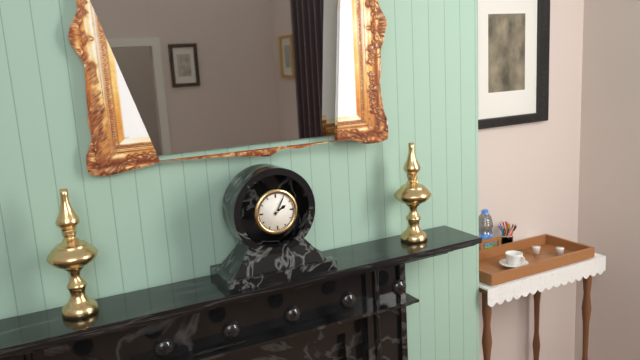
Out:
2,05
